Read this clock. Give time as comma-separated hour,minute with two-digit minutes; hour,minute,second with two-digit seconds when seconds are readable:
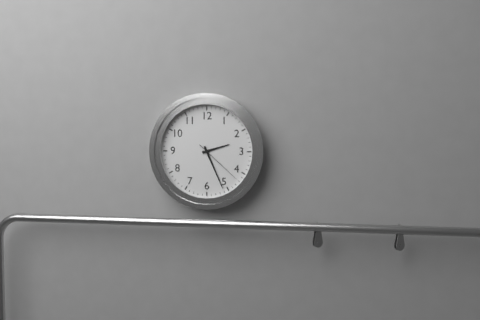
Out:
2,26,22
